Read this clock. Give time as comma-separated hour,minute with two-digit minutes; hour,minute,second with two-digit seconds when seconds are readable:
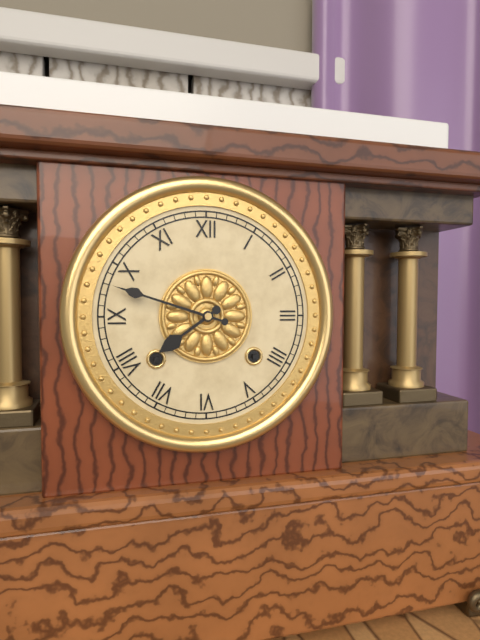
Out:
7,48
